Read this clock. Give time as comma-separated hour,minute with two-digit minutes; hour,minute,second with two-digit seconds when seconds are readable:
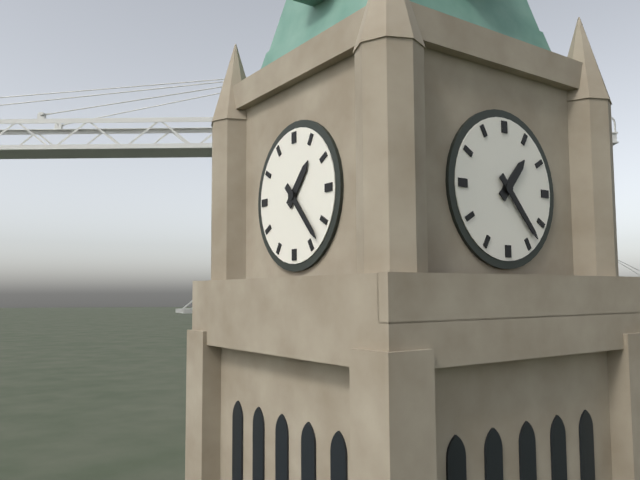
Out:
1,23
